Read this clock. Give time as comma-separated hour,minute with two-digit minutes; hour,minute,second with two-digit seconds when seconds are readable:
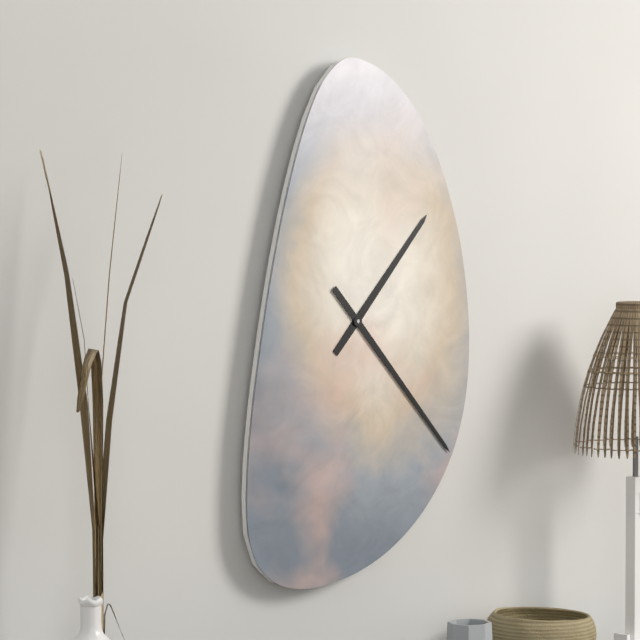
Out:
1,23
